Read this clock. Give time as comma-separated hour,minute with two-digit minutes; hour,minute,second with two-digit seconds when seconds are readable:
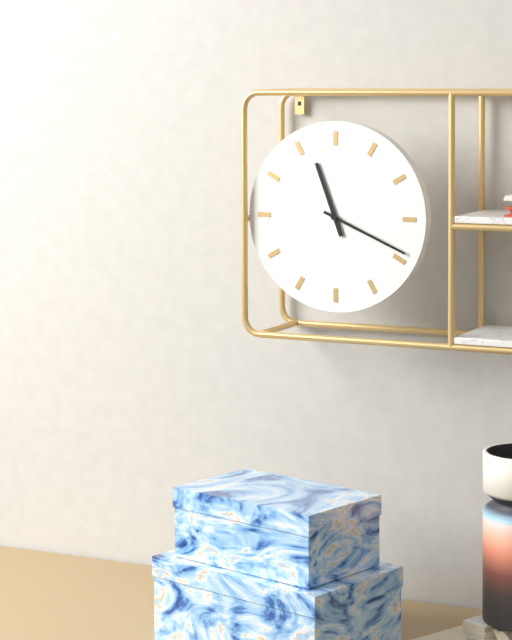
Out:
11,19
